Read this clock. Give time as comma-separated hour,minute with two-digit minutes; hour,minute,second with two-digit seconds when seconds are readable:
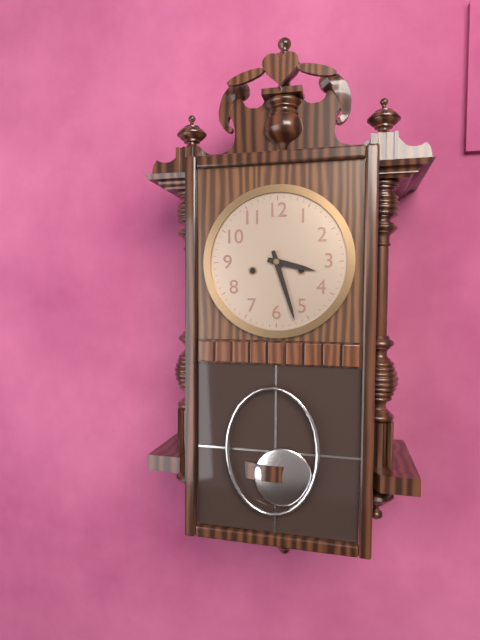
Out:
3,27
